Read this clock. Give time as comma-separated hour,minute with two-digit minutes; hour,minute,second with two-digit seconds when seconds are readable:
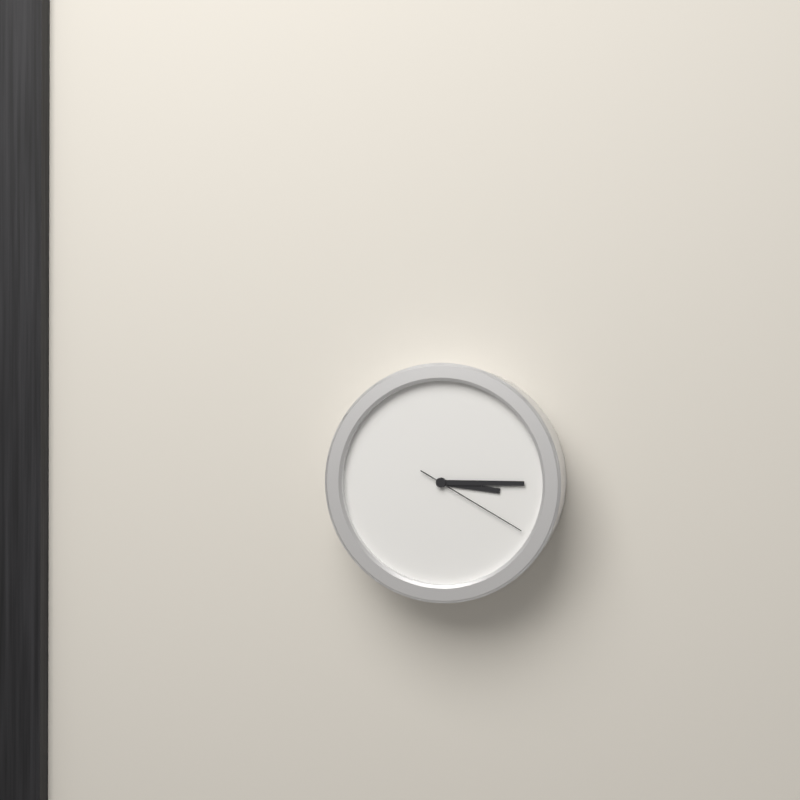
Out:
3,15,20
